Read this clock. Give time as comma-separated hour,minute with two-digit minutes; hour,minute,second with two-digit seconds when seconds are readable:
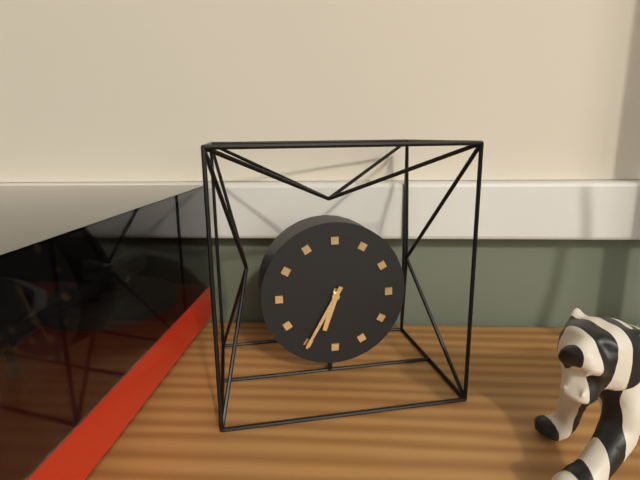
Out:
6,35
